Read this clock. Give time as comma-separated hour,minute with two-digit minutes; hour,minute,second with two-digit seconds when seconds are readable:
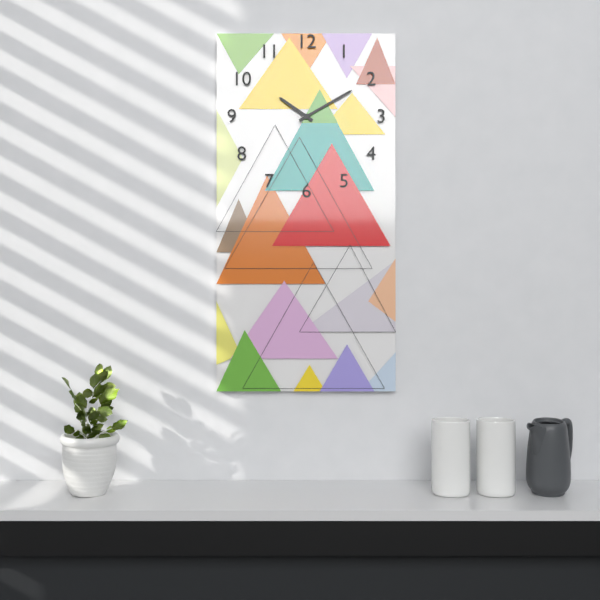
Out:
10,10
